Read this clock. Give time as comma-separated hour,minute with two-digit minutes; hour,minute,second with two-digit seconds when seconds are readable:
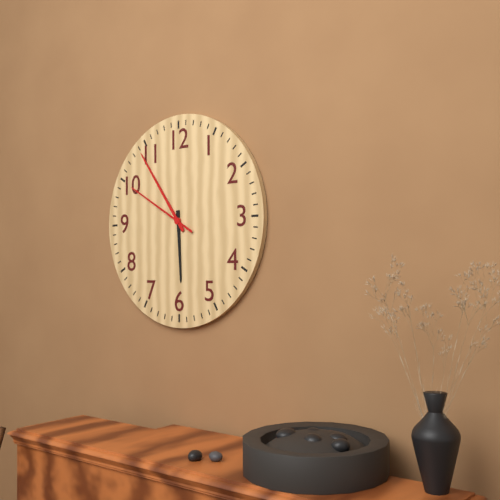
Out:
5,54,50
